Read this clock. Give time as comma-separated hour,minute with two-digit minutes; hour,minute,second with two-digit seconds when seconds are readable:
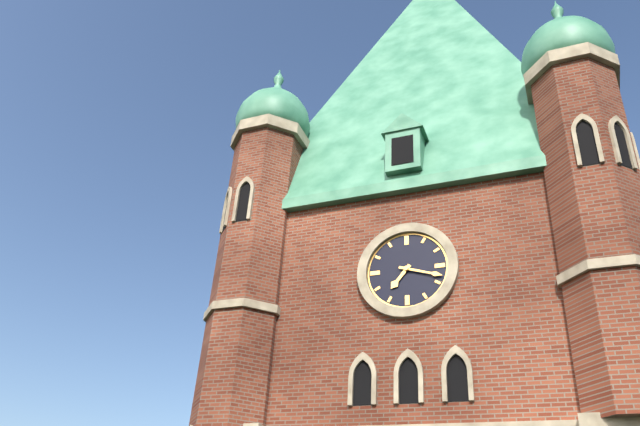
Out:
7,18
